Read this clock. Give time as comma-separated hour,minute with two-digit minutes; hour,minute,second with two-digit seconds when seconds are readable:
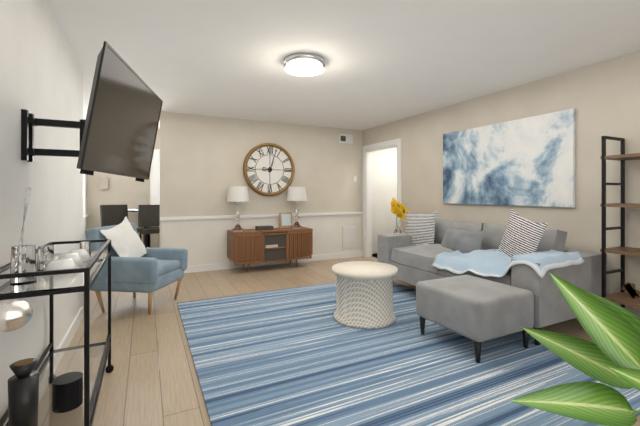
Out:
9,03
